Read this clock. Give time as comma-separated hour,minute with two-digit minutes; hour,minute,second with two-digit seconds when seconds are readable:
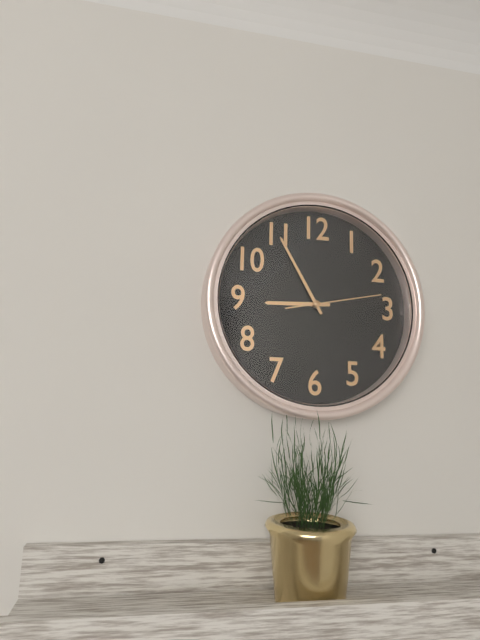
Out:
8,55,13
